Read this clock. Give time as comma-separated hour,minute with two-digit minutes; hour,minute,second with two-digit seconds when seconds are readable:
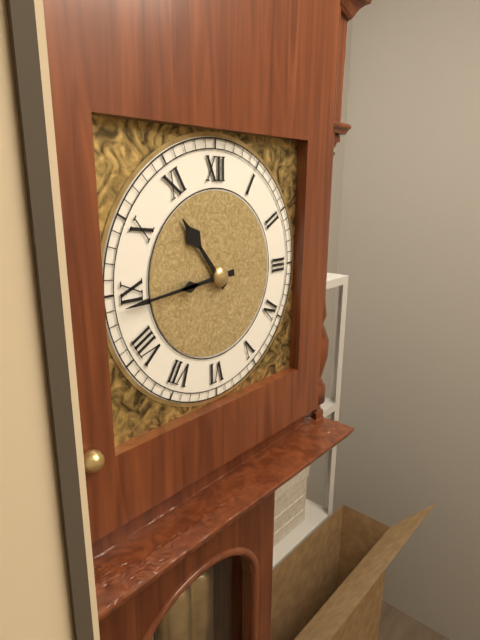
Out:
10,44
